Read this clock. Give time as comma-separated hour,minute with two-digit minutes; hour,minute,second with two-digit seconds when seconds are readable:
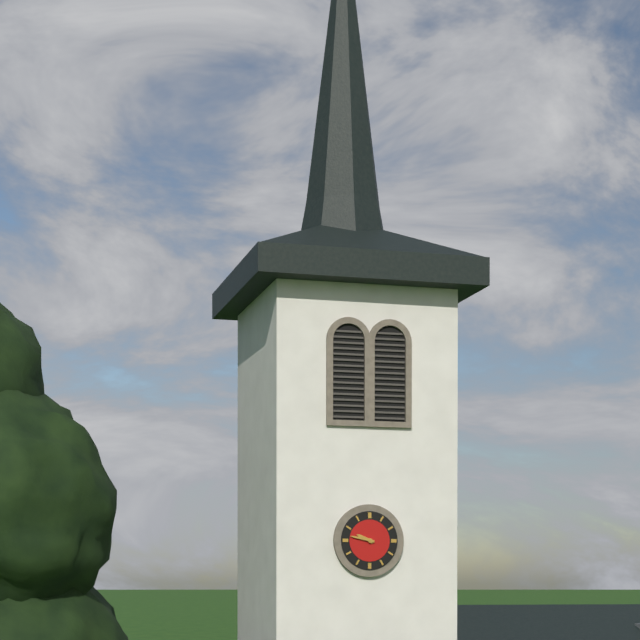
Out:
9,47
